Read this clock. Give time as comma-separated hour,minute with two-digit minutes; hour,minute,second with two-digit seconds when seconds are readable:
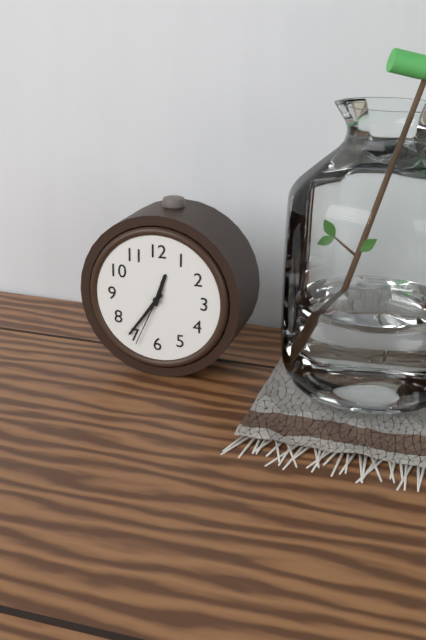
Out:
12,36,34
